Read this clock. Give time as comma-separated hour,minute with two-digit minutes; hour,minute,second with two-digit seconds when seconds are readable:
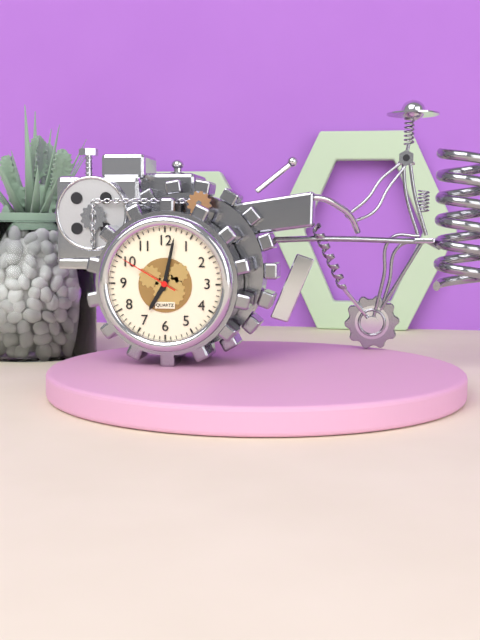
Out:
7,02,50
